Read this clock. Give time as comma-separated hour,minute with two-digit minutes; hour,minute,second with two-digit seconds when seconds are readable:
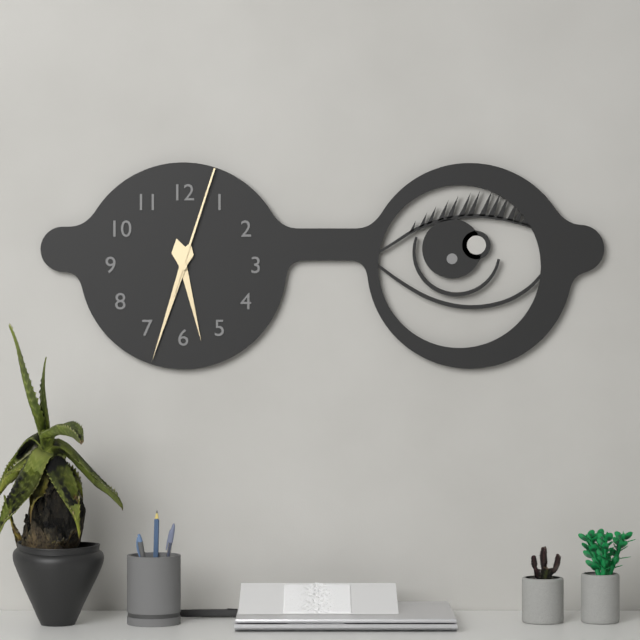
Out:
5,33,03
